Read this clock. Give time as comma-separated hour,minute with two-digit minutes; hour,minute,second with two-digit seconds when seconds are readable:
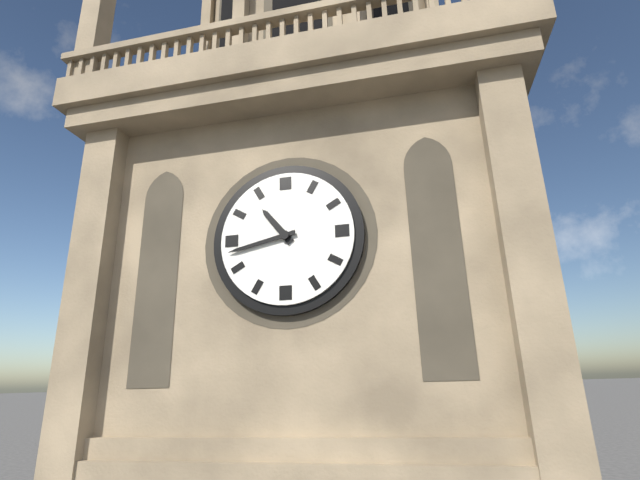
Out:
10,43
